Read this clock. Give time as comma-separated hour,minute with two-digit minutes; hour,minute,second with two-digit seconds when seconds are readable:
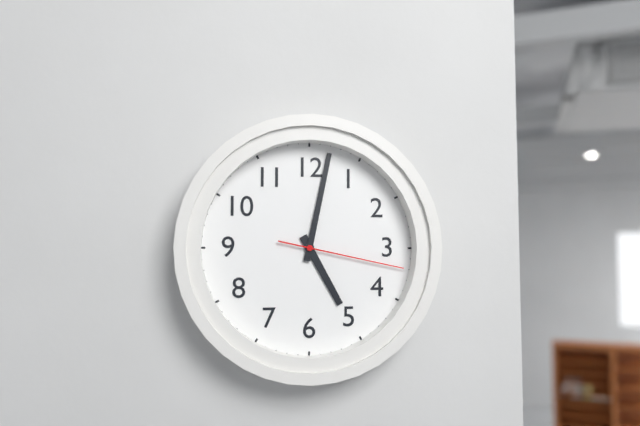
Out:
5,02,17
